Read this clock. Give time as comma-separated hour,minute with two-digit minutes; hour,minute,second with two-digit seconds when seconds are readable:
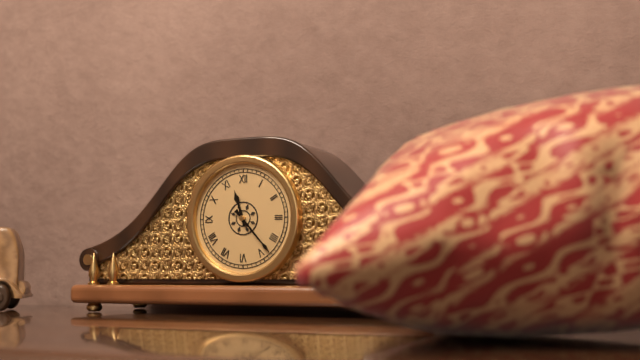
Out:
11,23
